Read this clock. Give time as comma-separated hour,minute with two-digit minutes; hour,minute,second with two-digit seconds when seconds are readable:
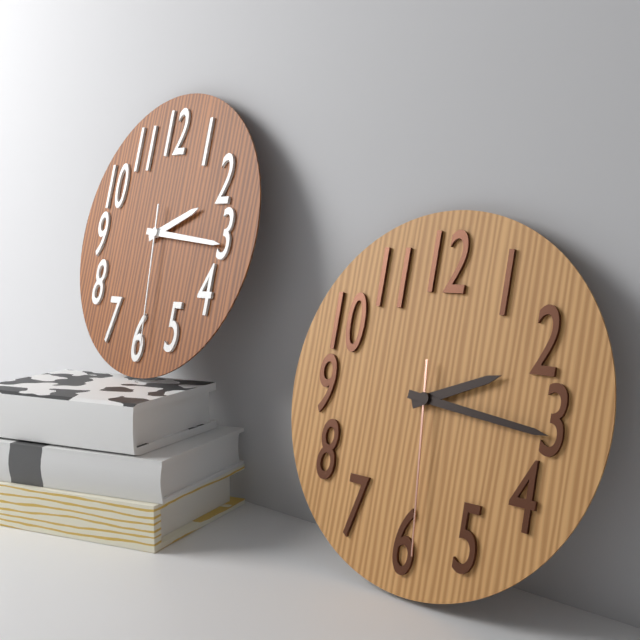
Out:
2,16,29
